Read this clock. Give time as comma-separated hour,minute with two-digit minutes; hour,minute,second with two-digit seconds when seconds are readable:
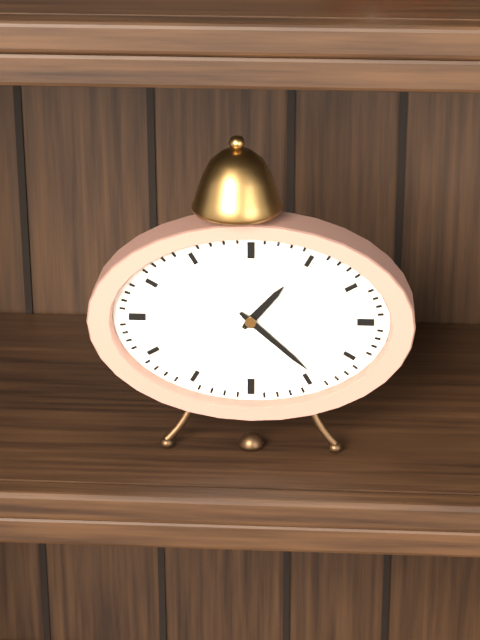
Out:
1,22
